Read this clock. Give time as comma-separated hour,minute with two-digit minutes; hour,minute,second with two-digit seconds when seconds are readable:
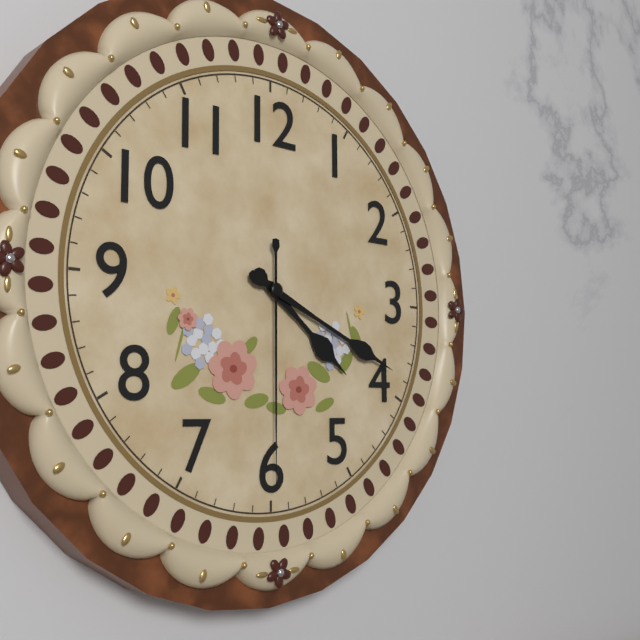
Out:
4,19,30
